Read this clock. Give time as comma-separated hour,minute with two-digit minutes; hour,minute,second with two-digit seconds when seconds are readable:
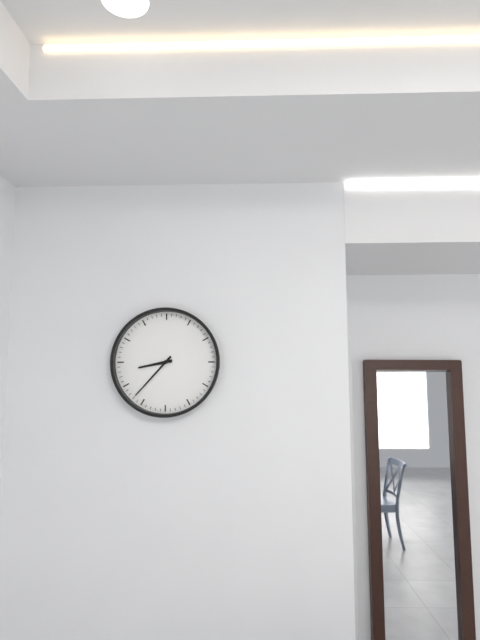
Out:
8,37
